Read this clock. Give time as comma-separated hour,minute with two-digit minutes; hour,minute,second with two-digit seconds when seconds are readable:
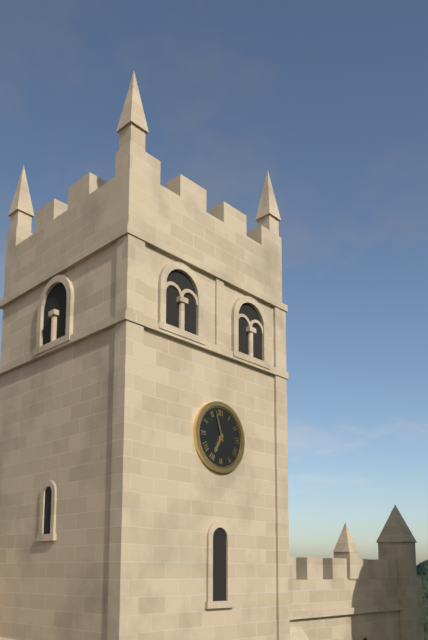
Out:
6,57
